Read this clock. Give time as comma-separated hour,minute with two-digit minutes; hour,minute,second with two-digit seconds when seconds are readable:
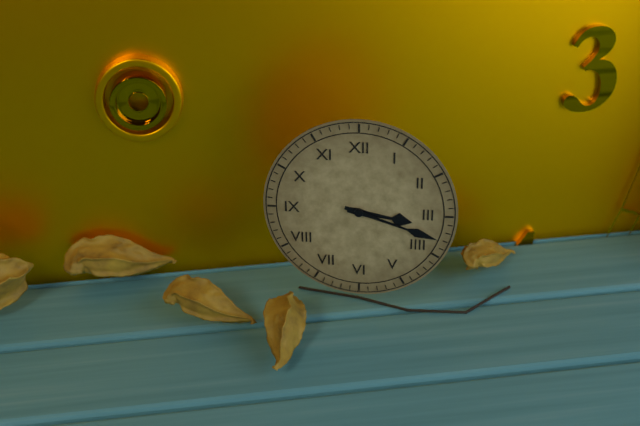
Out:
3,18
